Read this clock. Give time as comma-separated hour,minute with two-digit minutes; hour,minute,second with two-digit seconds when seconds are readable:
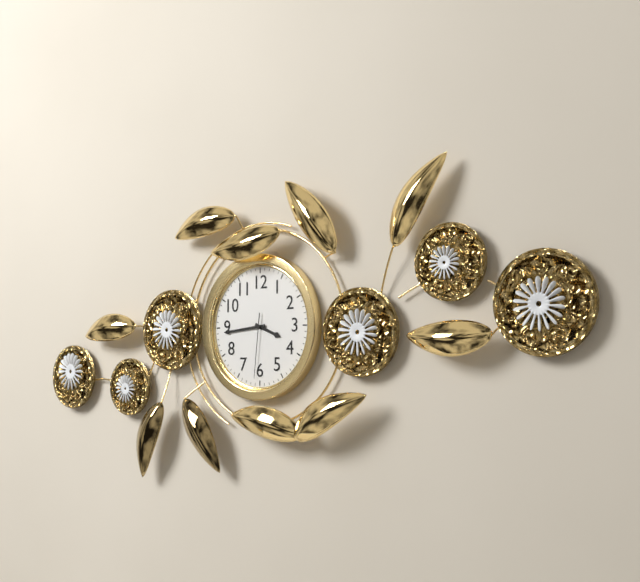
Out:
3,44,31
